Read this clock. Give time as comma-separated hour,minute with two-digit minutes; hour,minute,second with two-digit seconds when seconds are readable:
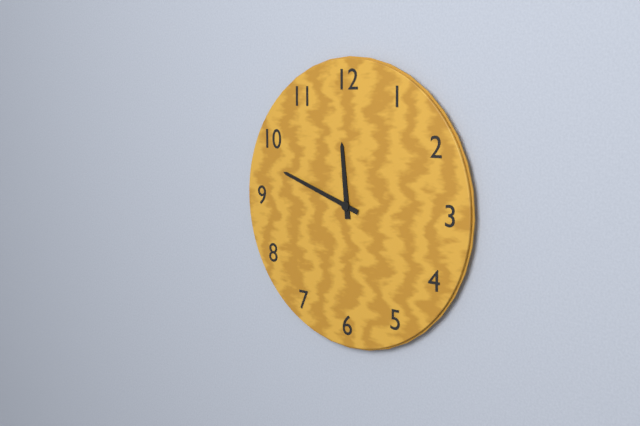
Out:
11,48
